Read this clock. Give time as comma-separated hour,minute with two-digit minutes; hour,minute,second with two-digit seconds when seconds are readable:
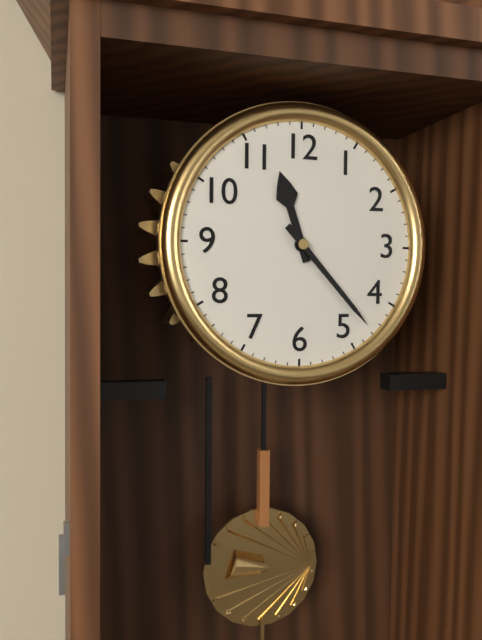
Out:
11,23
